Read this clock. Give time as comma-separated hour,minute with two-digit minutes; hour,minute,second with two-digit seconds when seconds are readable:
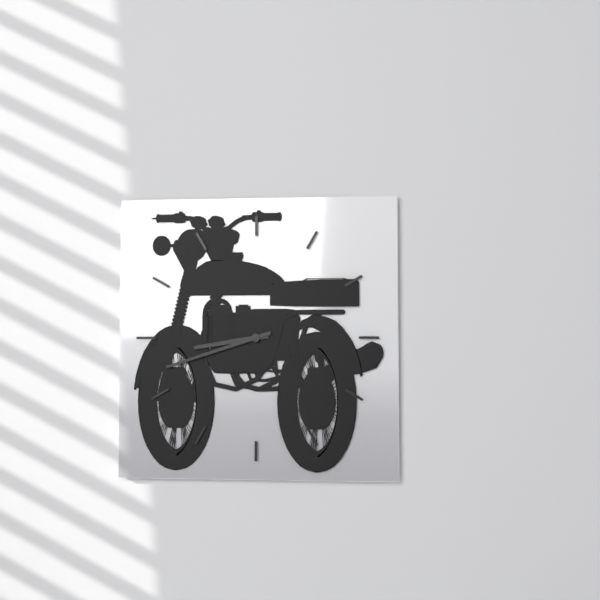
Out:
8,42
